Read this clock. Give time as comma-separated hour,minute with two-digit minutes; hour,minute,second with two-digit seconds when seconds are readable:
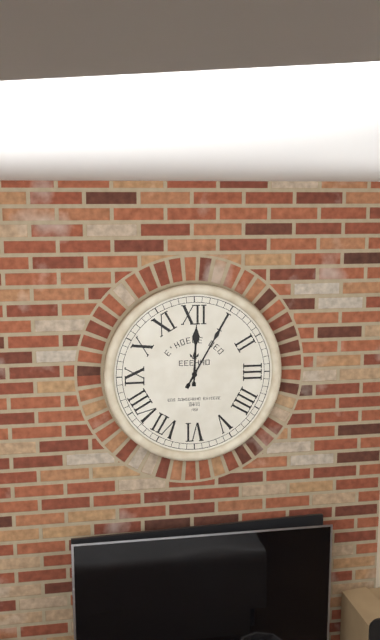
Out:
12,05
